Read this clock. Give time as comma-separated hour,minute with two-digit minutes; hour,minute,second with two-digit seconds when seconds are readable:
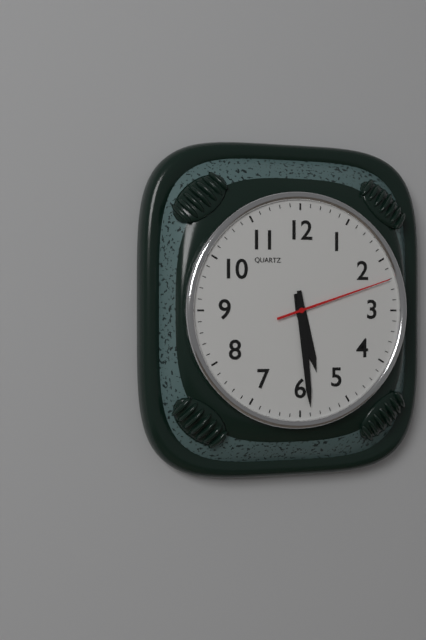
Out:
5,29,12
